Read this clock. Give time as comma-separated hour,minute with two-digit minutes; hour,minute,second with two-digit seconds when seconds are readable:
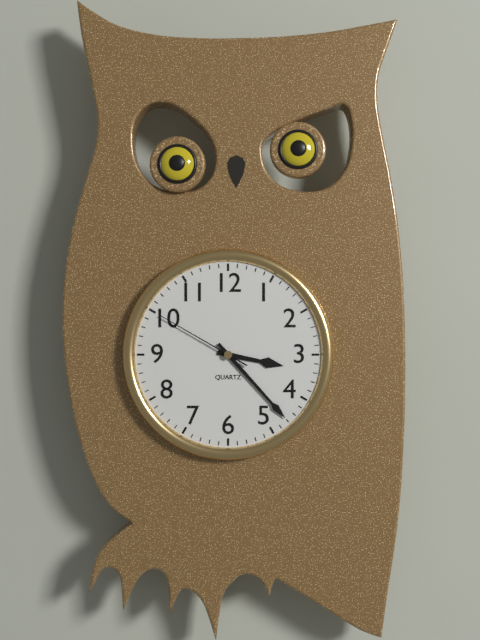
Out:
3,23,50
